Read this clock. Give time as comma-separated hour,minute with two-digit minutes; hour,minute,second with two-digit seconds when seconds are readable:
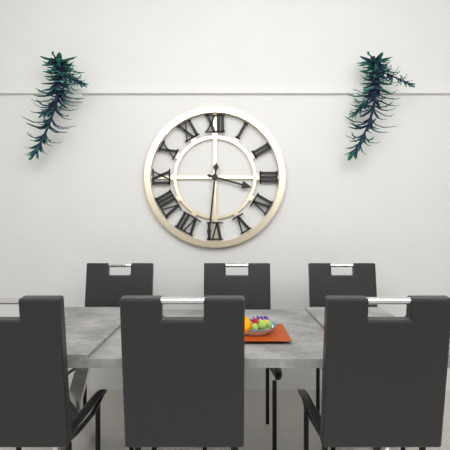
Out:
3,31
